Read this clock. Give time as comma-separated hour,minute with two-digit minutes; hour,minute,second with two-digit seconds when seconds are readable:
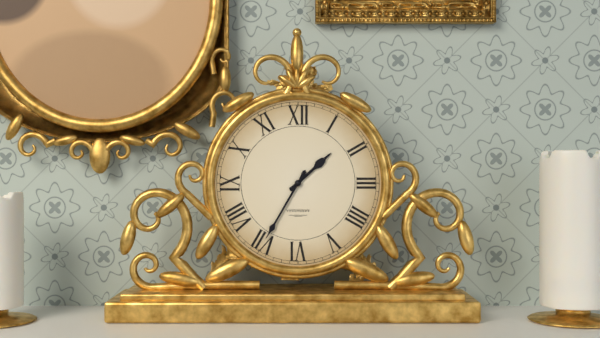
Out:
1,35
